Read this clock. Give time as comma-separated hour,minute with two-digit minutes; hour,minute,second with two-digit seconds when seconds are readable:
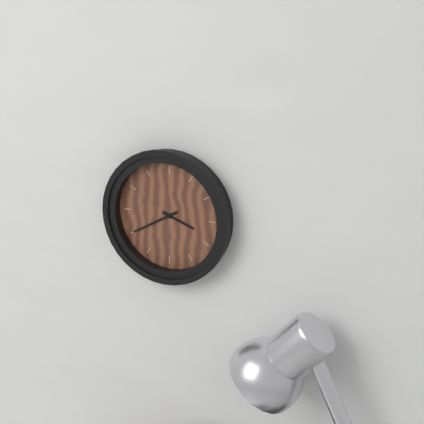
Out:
3,40
